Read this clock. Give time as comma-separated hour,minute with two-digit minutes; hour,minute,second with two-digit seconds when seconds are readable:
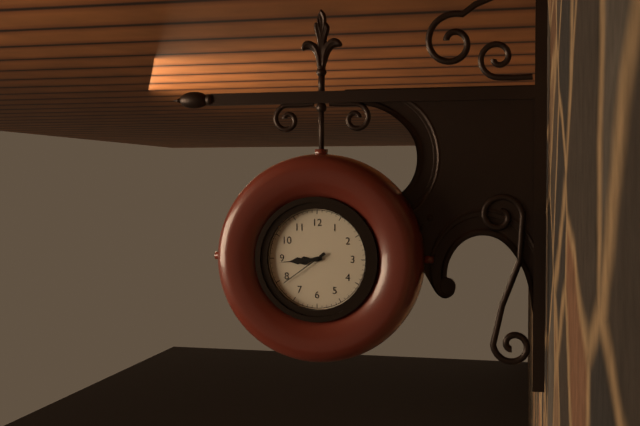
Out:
8,44,39
